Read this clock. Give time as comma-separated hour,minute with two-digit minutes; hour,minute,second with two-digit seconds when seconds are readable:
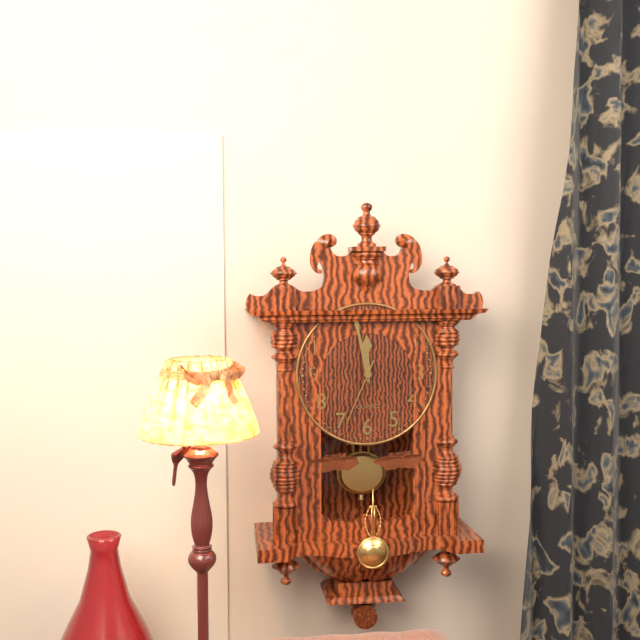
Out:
11,58,34
